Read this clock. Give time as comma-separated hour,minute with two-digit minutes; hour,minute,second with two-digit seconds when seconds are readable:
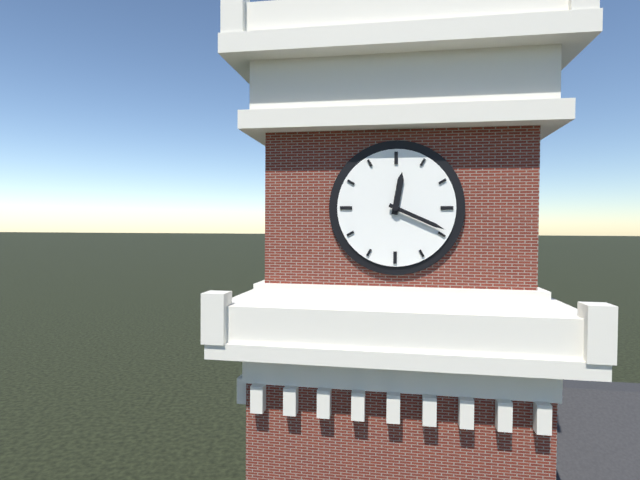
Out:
12,19
